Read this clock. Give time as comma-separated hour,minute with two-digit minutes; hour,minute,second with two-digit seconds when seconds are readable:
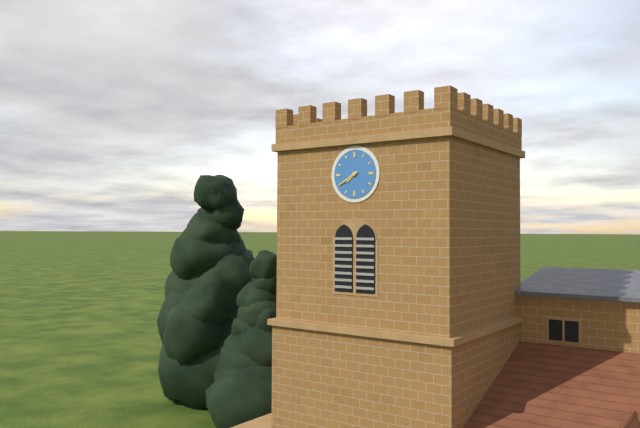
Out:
7,40
